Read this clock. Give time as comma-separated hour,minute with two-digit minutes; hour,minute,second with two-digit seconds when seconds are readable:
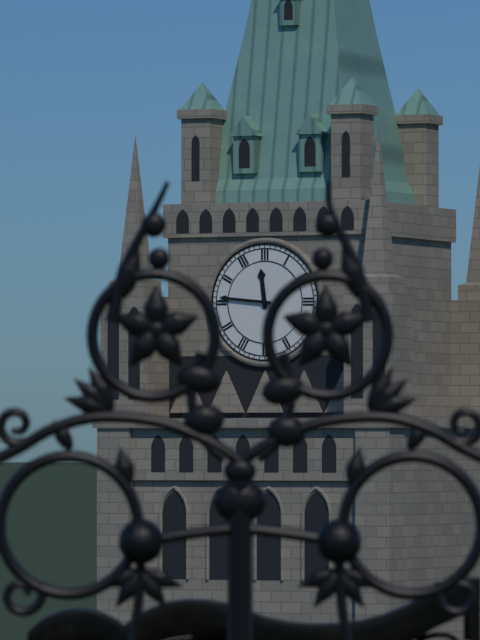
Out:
11,46
